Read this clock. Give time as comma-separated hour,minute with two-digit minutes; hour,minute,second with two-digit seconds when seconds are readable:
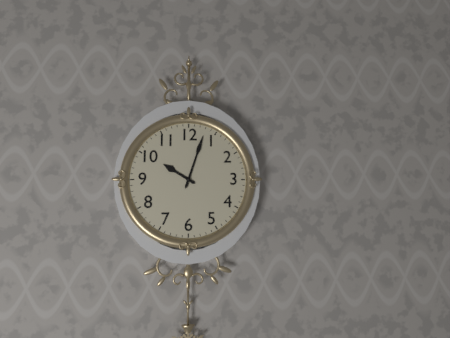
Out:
10,03
